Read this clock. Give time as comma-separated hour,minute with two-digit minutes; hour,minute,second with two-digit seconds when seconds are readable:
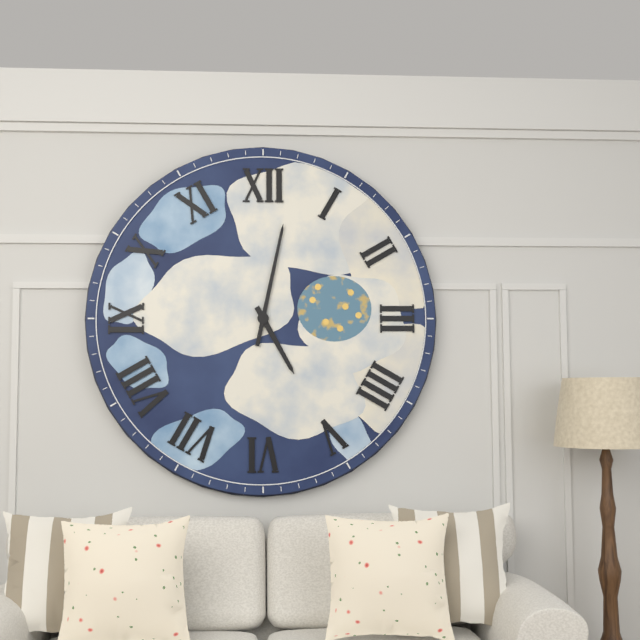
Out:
5,02
